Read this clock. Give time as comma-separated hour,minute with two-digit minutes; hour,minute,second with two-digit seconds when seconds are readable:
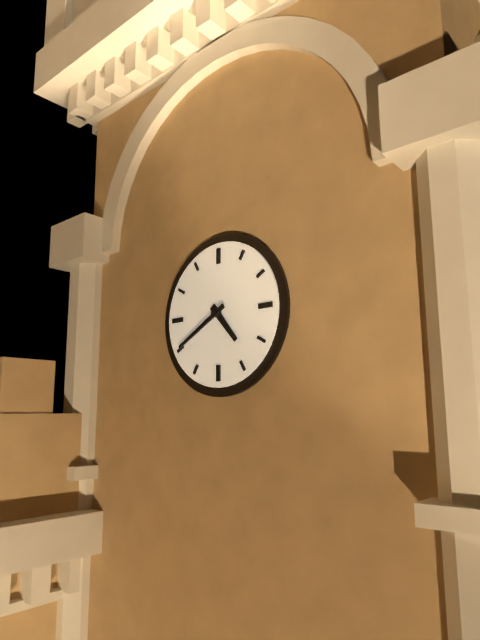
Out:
4,40
